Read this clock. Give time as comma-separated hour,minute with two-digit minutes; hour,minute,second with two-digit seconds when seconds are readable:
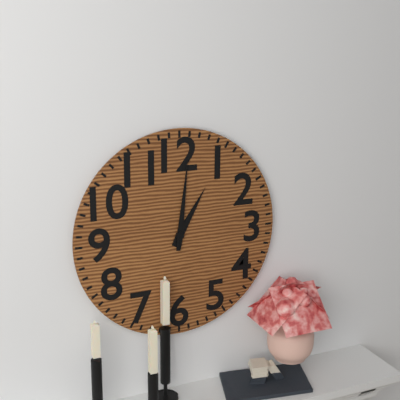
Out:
1,01
